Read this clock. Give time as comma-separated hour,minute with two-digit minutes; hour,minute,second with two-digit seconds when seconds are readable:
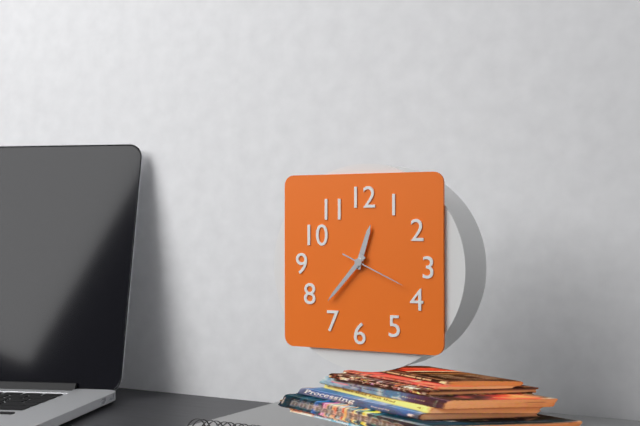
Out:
12,37,19
